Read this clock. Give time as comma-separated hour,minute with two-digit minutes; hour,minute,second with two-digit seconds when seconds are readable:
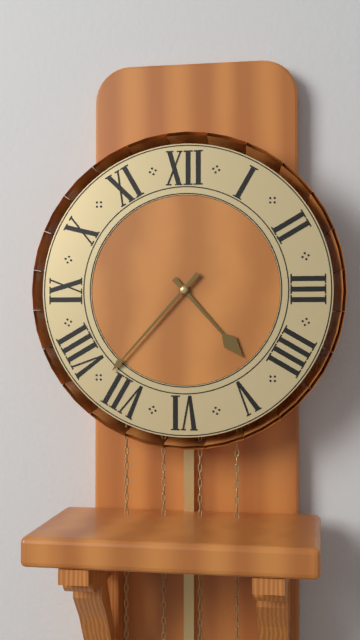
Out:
4,37
